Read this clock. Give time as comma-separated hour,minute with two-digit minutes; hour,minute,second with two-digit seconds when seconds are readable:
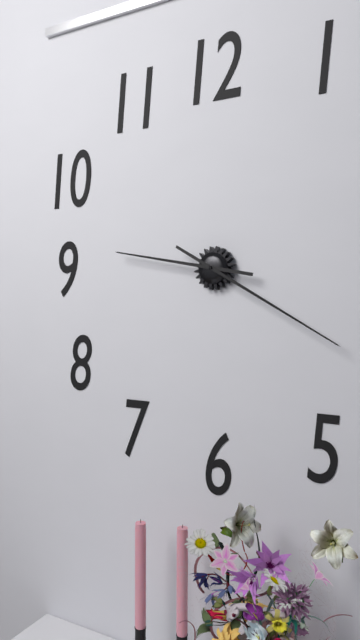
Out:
9,20
